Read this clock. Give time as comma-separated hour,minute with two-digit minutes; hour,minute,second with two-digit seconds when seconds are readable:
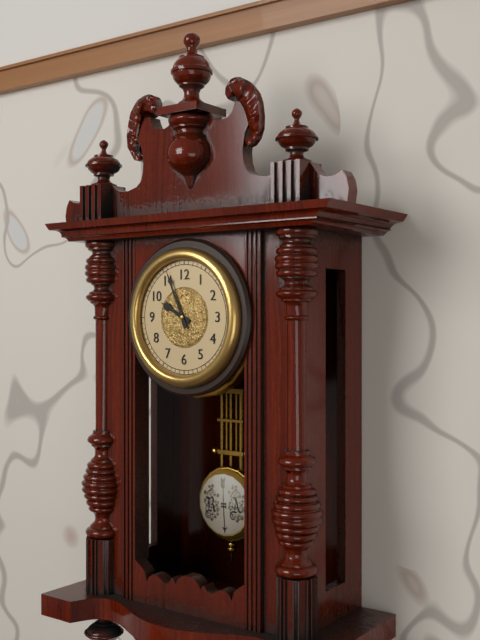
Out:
9,56
